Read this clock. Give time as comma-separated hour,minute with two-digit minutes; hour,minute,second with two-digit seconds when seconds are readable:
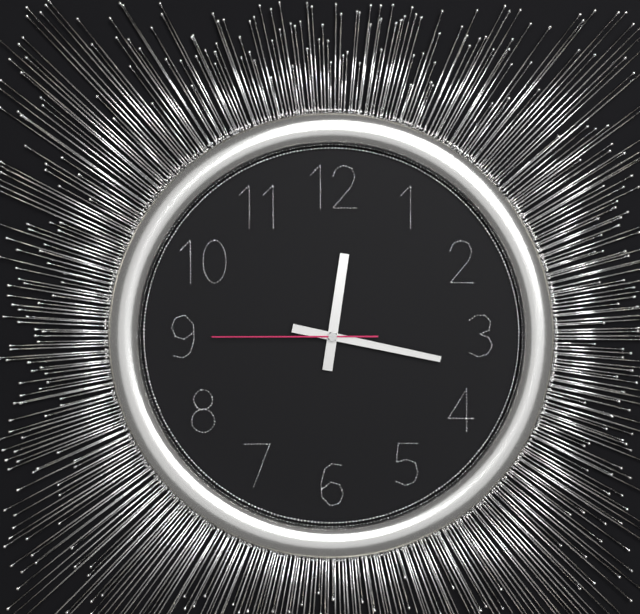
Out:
12,17,45
